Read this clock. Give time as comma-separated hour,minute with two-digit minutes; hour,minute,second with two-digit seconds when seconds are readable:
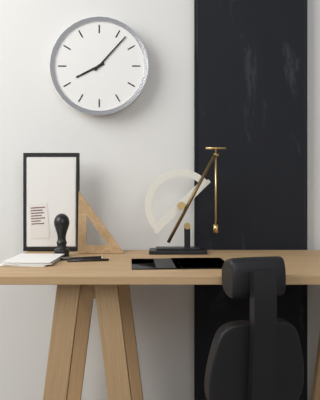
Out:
8,07
